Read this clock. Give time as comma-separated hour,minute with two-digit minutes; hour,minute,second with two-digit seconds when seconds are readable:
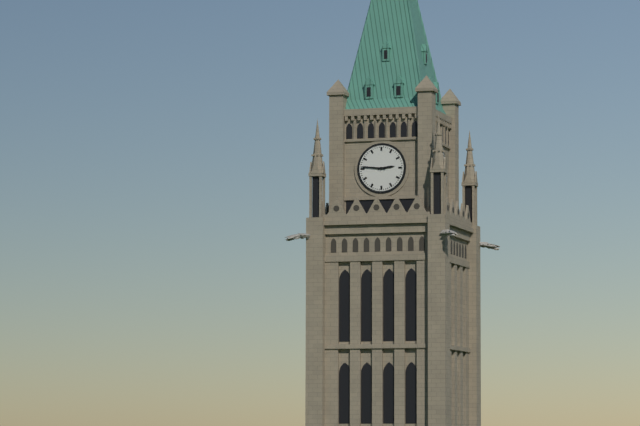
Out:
2,46
